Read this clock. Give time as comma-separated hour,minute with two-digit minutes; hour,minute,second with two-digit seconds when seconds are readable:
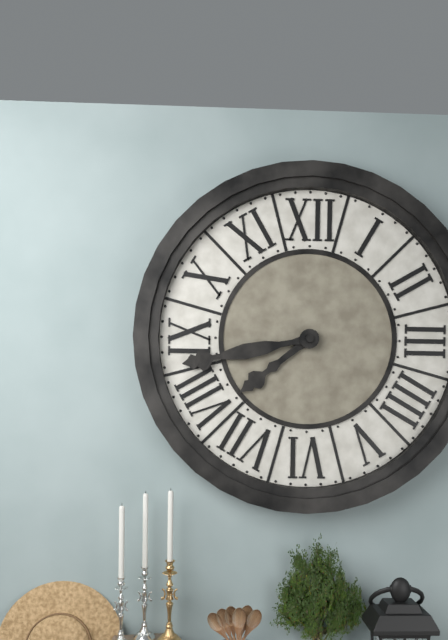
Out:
7,43
